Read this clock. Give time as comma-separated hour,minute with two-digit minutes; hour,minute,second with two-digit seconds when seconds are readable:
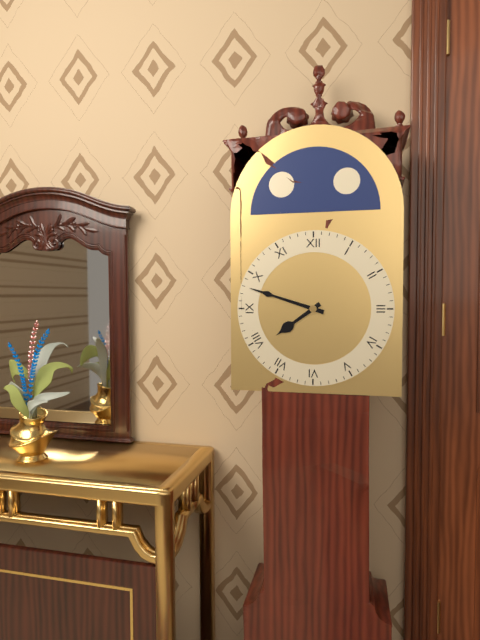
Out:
7,48
